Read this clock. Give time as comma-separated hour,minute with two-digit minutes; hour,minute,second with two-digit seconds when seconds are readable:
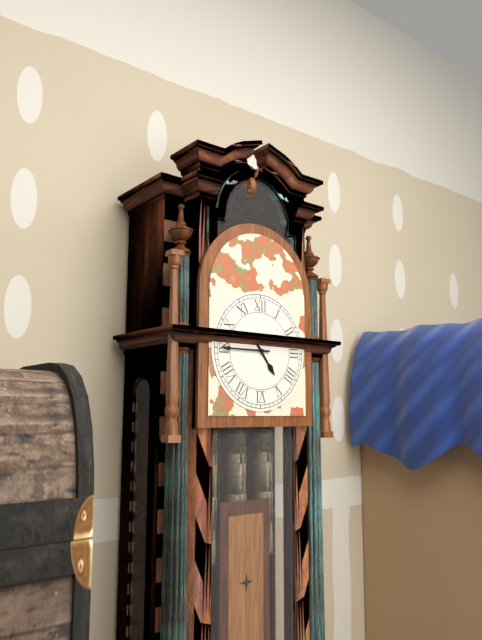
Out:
4,45
